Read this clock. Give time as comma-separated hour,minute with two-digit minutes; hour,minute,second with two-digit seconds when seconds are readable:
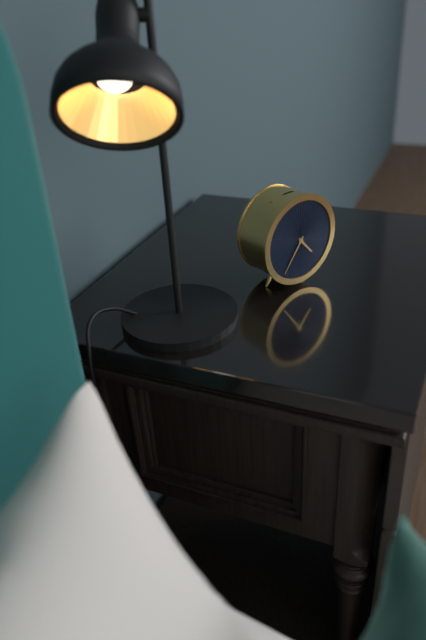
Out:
4,36
